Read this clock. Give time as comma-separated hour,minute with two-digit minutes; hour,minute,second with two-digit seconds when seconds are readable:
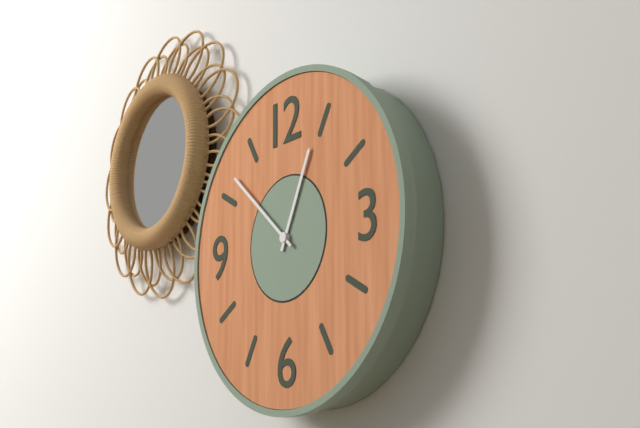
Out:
12,52
